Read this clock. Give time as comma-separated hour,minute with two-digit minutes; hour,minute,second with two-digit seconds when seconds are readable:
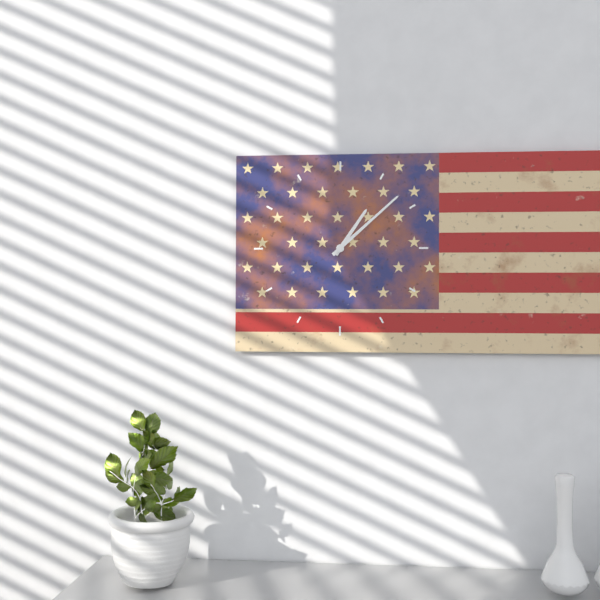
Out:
1,08
